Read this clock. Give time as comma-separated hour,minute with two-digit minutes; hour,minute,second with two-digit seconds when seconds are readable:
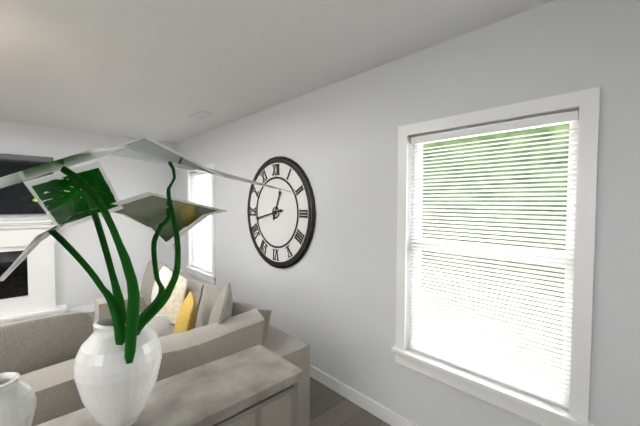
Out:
12,43
